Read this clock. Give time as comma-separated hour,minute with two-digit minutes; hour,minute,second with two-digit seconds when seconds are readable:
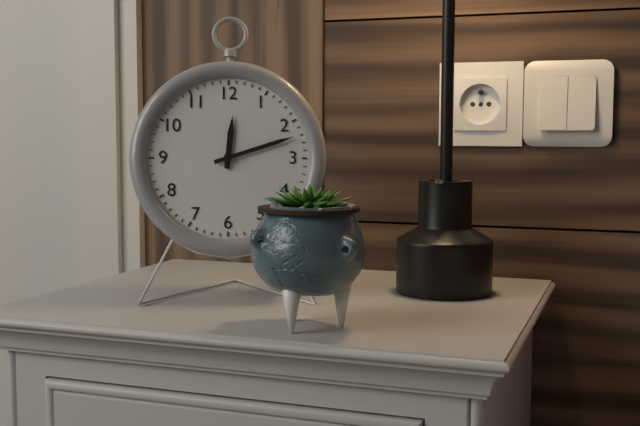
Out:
12,12
